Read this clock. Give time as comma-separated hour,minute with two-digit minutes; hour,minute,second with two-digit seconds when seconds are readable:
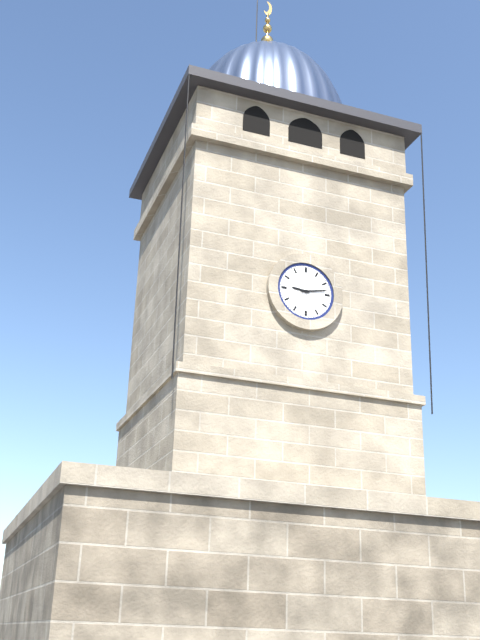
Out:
9,13
